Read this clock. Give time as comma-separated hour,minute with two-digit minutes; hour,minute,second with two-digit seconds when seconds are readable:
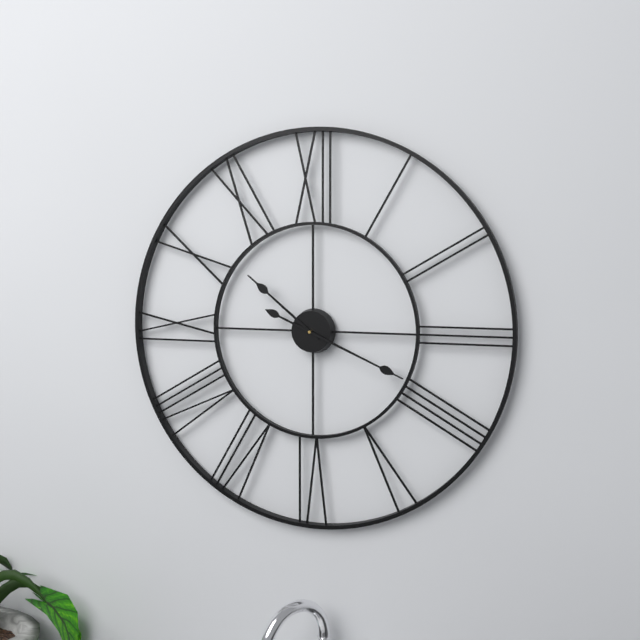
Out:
10,19
